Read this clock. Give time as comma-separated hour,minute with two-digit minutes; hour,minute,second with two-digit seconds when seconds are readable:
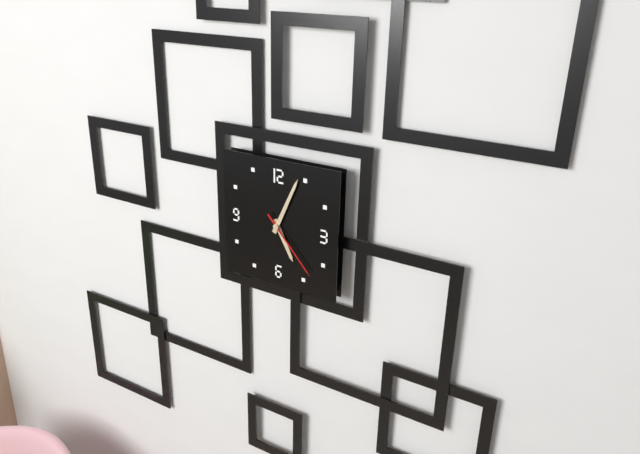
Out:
5,04,23
